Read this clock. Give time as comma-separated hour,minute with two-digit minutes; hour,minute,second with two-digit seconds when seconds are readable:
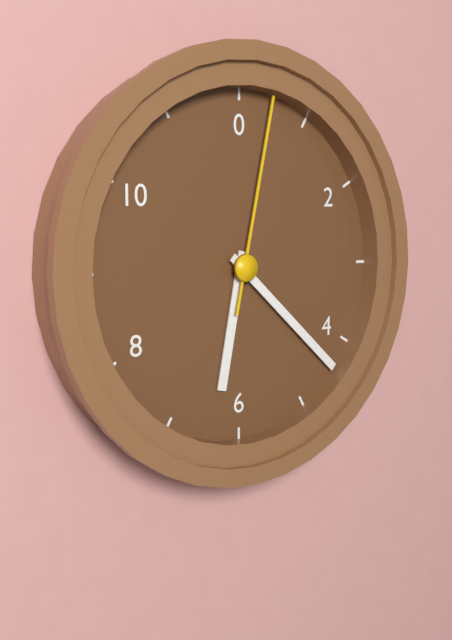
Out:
6,22,02
